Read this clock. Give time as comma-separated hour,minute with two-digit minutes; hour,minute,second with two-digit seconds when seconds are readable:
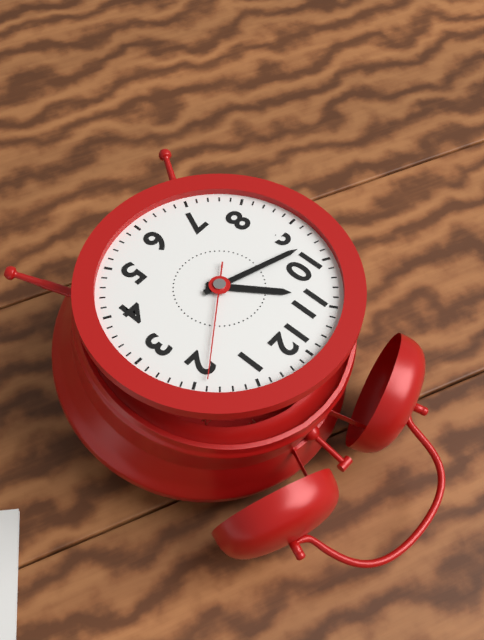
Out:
10,48,09
